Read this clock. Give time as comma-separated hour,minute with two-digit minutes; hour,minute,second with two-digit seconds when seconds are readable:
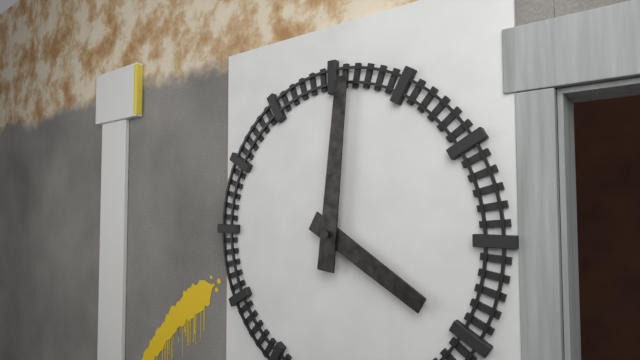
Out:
4,01
